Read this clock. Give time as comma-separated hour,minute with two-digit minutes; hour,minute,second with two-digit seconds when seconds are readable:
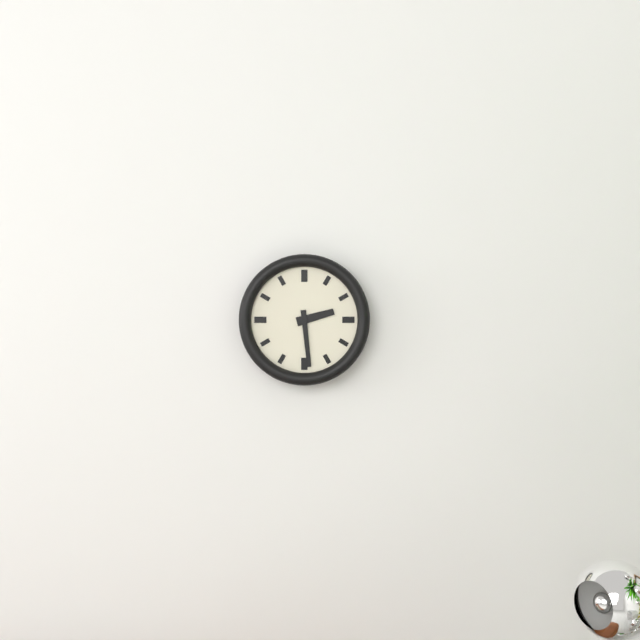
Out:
2,29
